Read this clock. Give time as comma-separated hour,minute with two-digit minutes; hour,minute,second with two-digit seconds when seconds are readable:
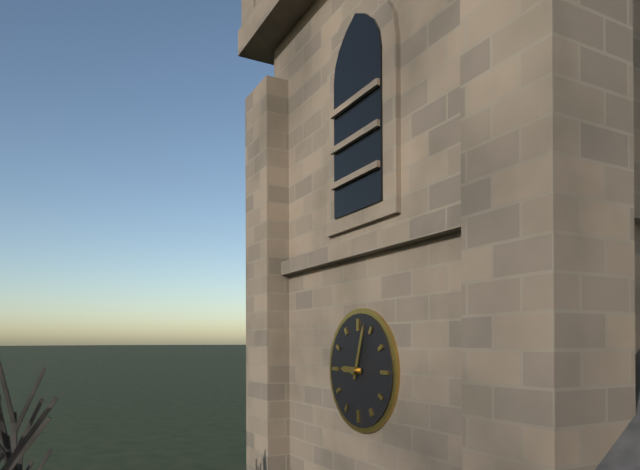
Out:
9,03
